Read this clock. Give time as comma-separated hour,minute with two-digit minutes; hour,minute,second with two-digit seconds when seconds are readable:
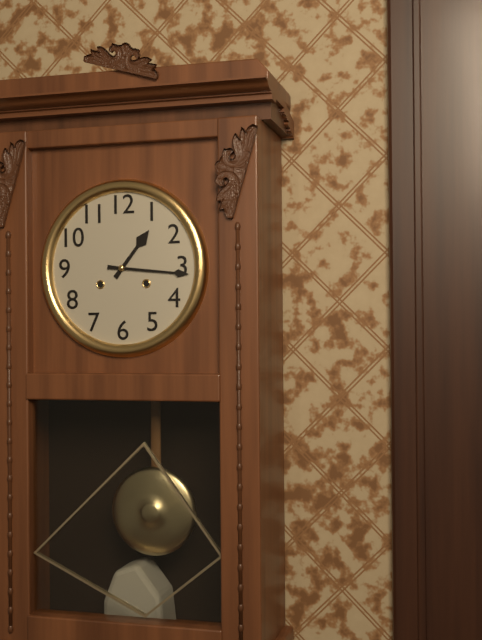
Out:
1,16
